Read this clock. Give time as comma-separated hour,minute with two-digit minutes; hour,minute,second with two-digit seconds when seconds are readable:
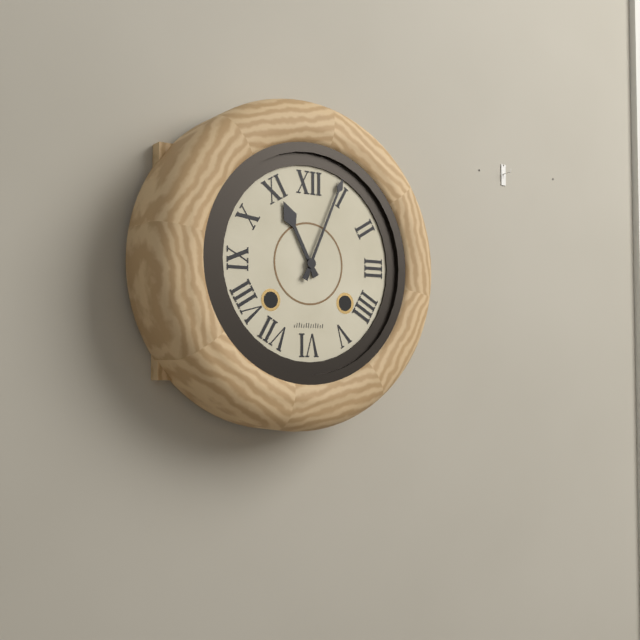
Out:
11,04
